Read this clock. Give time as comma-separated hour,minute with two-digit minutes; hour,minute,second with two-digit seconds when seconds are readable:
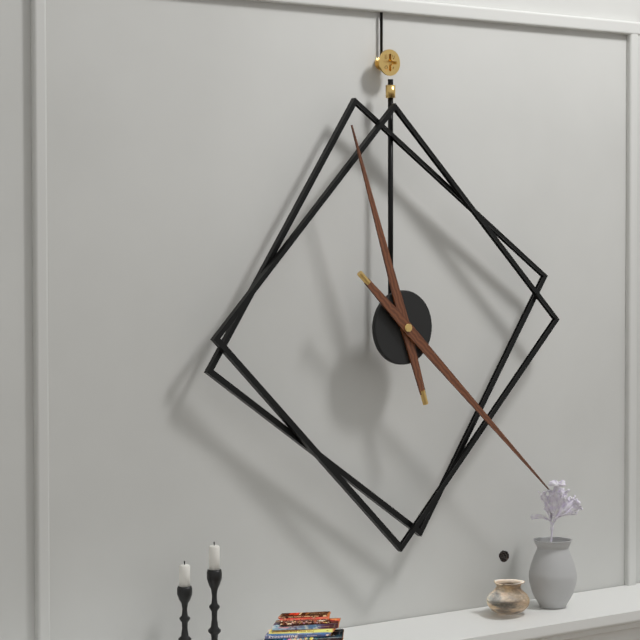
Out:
11,22
